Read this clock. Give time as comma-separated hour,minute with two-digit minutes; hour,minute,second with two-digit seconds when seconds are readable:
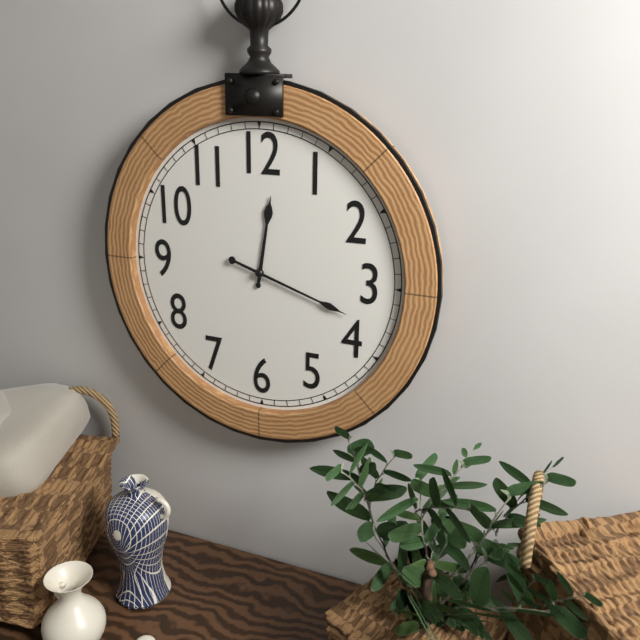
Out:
12,18
